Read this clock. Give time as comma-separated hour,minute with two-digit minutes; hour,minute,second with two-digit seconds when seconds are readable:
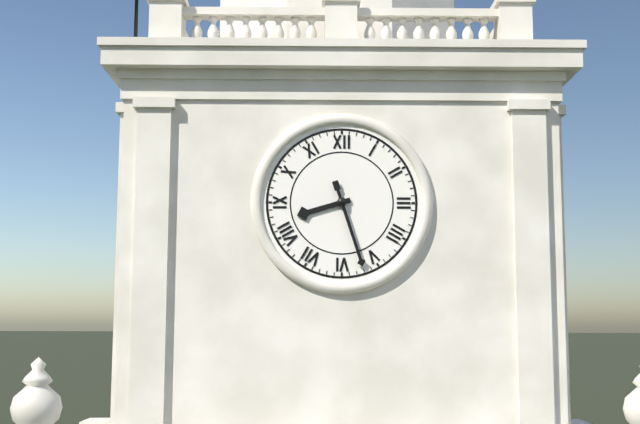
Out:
8,27
